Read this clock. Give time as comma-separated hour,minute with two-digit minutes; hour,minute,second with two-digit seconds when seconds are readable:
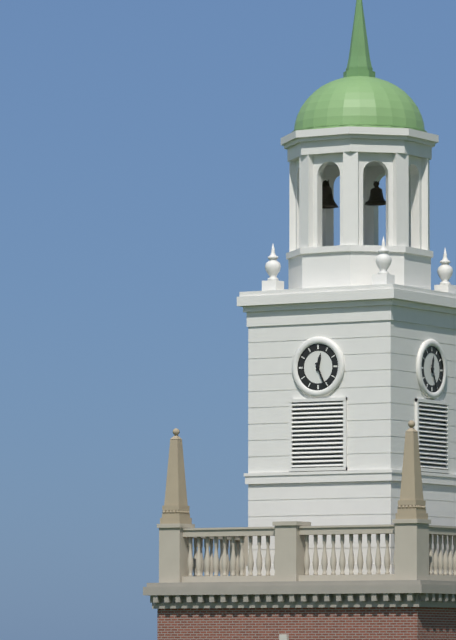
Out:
12,26
